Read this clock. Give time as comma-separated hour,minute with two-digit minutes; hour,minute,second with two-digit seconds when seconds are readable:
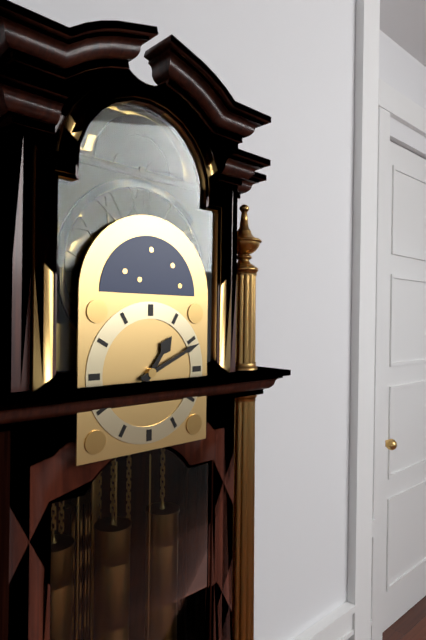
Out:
1,11
